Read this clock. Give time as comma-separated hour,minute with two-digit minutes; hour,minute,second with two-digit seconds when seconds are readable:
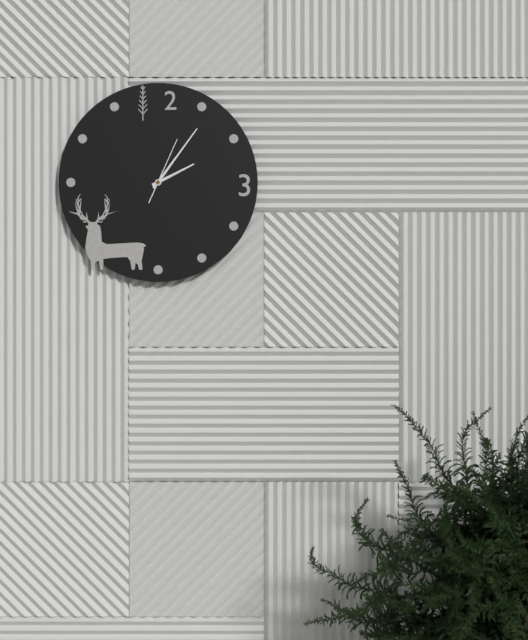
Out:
2,06,04
